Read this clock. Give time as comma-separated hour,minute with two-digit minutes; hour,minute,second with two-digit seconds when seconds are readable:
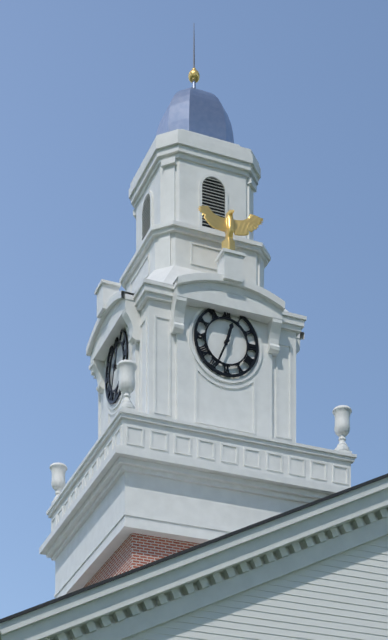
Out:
12,34
